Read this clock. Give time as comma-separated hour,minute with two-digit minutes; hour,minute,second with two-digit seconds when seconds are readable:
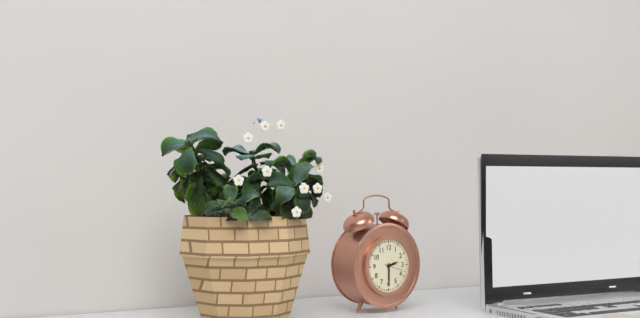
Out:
2,30
